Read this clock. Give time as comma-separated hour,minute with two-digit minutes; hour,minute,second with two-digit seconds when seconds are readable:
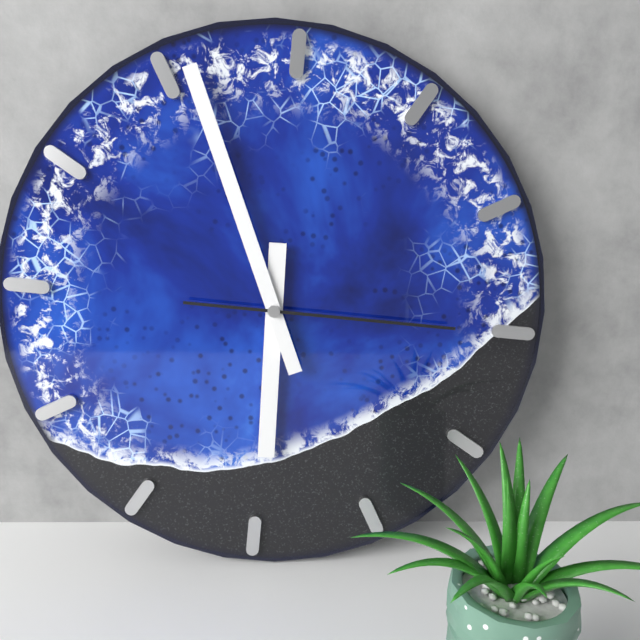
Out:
5,56,15
